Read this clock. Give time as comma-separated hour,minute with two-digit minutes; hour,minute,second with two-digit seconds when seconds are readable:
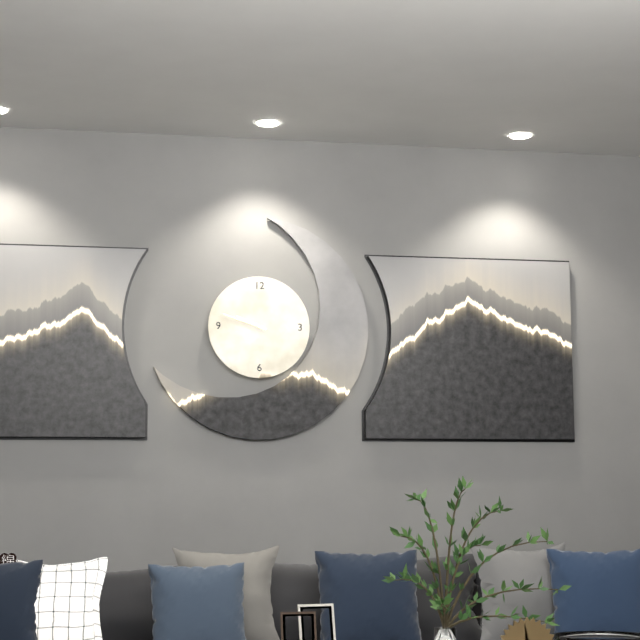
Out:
9,48
